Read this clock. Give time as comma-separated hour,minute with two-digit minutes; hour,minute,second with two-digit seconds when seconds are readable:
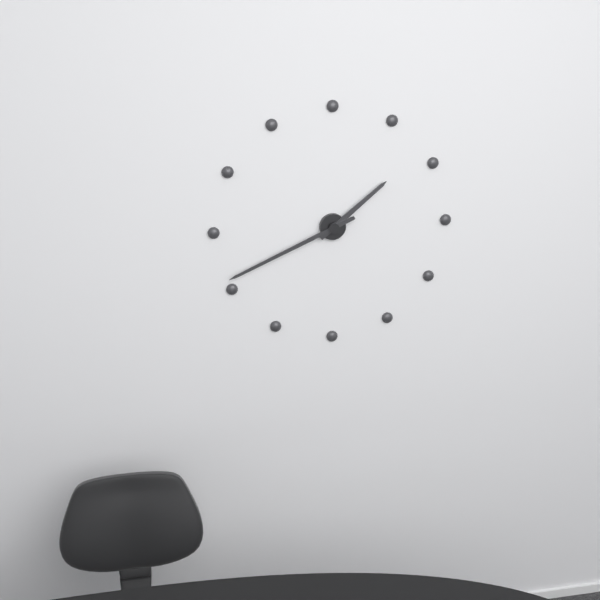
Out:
1,41
